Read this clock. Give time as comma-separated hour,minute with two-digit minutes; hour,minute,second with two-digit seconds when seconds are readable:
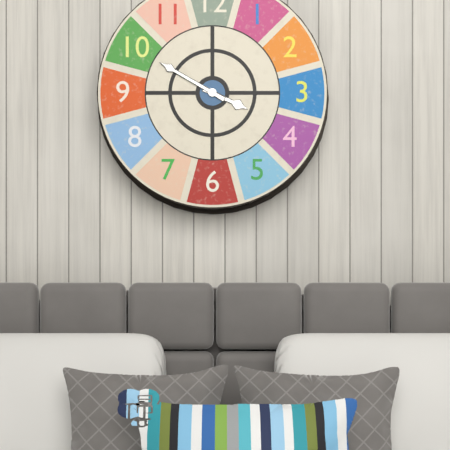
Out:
3,50
